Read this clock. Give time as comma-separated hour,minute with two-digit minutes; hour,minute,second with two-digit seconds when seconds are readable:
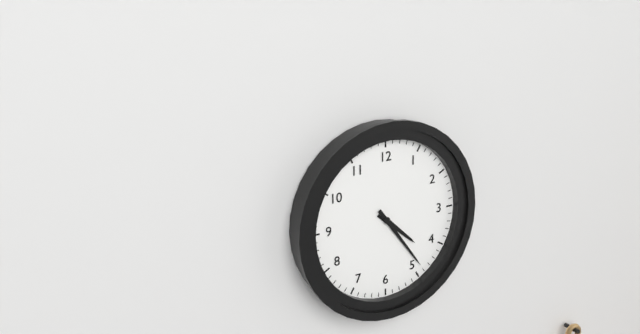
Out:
4,24
